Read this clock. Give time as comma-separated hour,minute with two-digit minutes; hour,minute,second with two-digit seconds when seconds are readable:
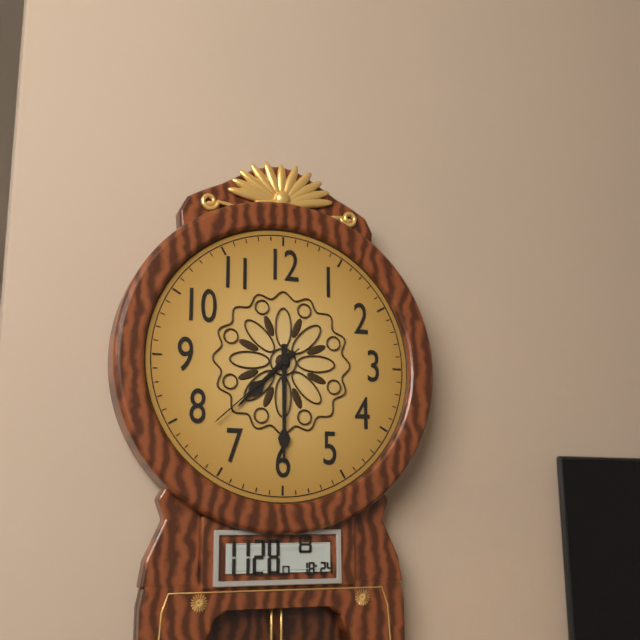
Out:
7,30,38
